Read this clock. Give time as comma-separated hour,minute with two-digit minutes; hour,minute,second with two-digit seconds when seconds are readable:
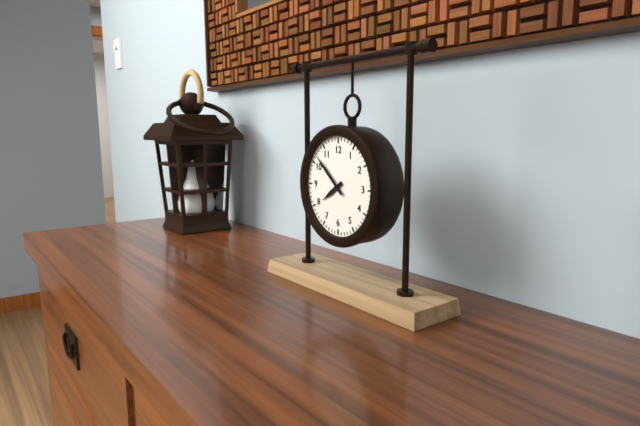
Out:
7,52
